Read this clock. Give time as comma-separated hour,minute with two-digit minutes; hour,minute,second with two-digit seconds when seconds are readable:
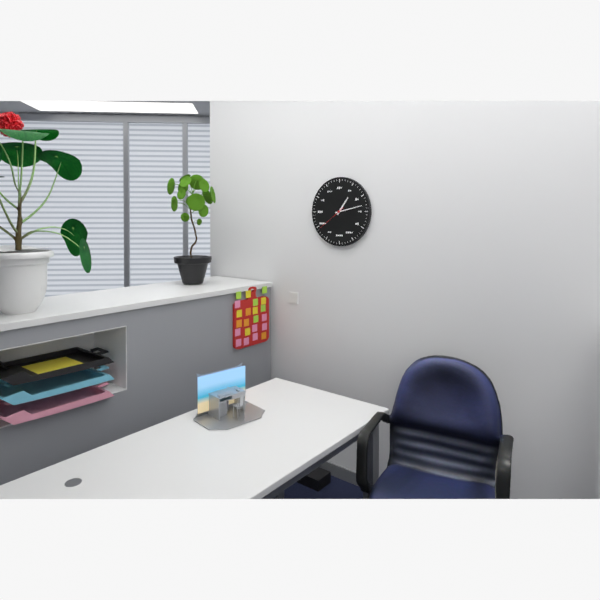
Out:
1,13
